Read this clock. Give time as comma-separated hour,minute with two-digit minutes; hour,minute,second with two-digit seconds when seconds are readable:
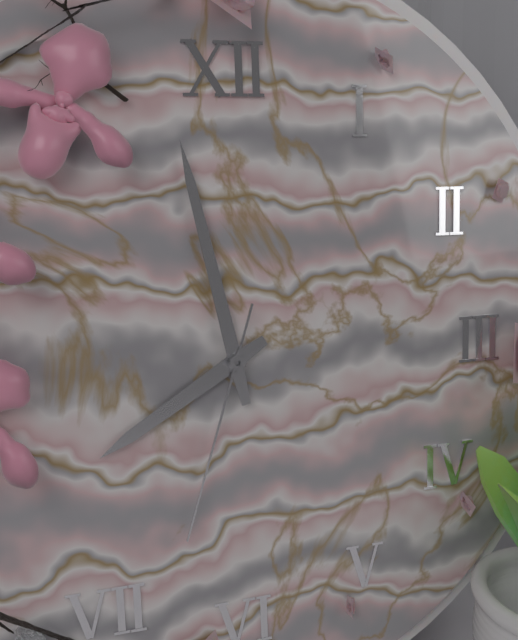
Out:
7,58,33
